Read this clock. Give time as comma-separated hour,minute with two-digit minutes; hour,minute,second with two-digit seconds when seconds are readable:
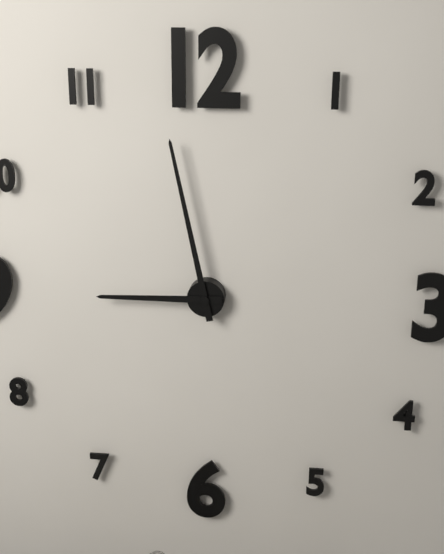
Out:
8,58
